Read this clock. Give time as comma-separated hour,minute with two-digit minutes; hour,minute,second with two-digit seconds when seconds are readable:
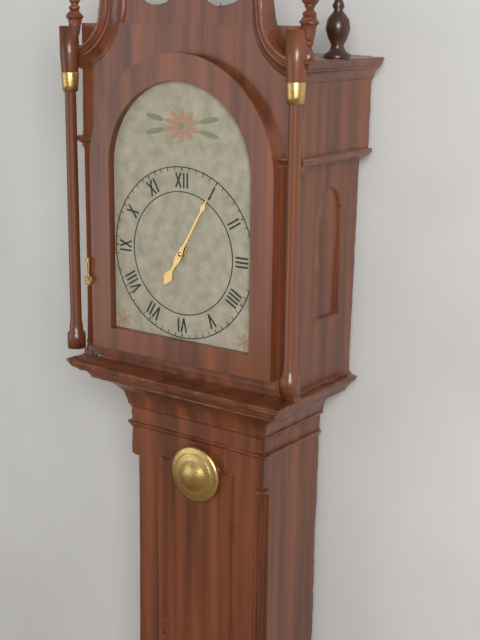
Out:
7,05
